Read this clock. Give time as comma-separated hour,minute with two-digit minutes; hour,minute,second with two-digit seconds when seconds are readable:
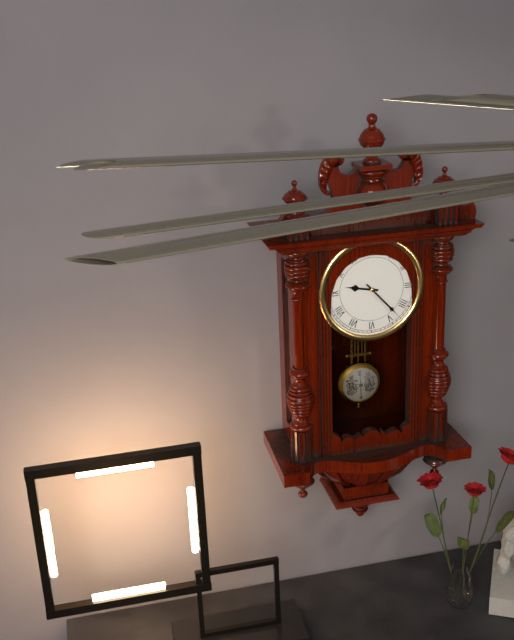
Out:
9,23
